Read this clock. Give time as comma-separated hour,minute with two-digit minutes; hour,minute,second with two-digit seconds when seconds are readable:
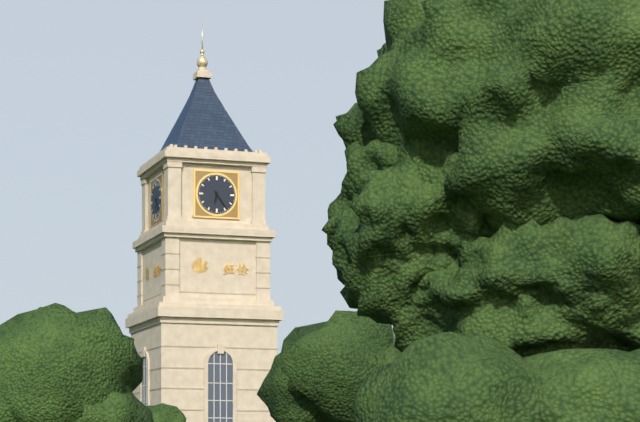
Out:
6,24
